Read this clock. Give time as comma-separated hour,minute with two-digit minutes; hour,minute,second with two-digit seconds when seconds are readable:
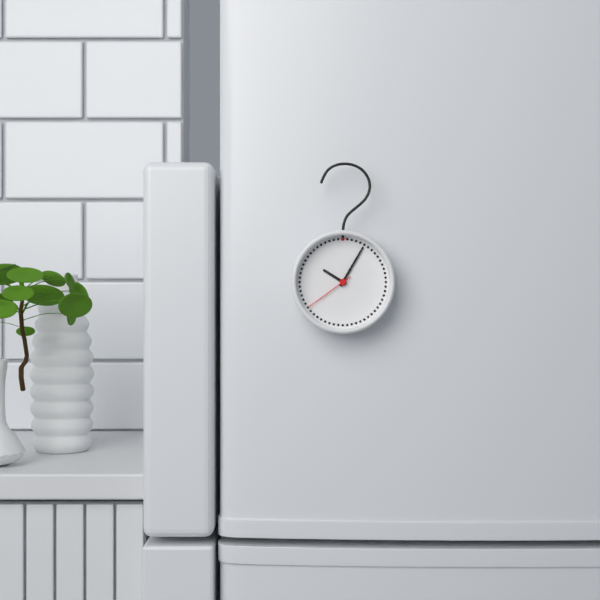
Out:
10,05,39
